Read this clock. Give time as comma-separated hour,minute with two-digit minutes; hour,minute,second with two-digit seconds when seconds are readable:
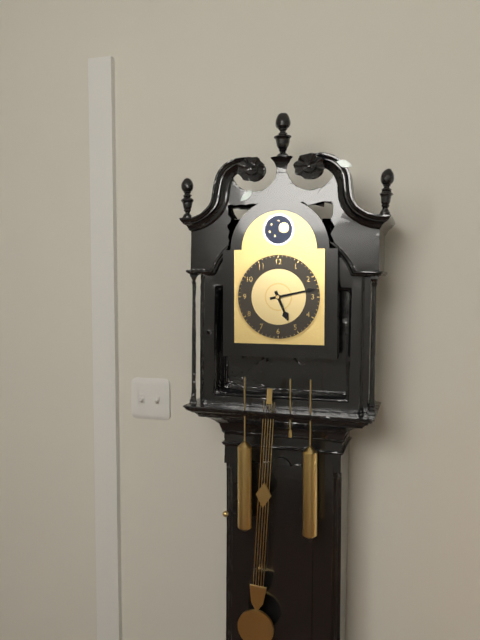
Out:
5,13
